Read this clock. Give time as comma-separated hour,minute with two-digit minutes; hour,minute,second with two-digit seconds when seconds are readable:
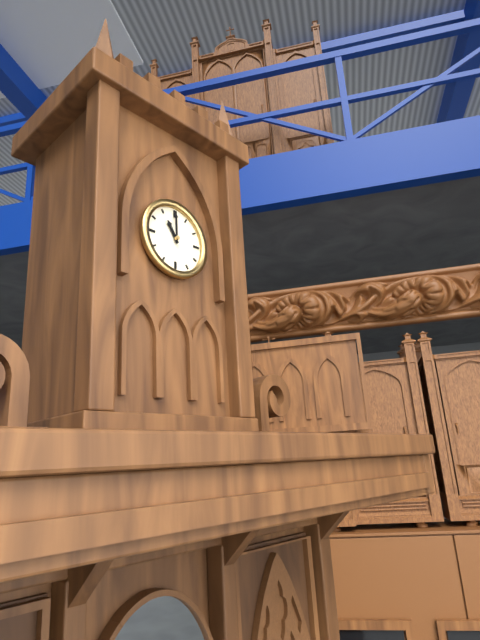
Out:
11,00
